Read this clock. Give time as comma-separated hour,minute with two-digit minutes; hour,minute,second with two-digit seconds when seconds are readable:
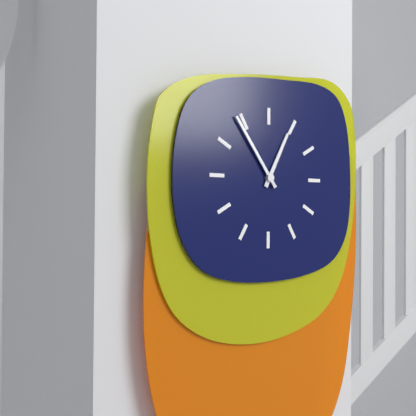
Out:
12,54
